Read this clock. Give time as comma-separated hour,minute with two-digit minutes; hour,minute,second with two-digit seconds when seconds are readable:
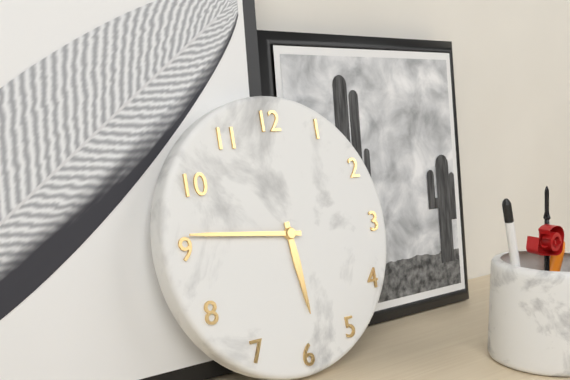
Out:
5,46
